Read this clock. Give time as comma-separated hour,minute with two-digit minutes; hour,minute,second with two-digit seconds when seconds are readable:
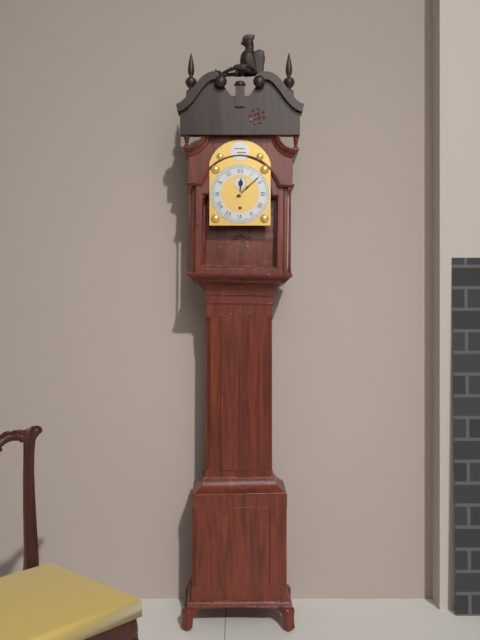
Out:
12,08
